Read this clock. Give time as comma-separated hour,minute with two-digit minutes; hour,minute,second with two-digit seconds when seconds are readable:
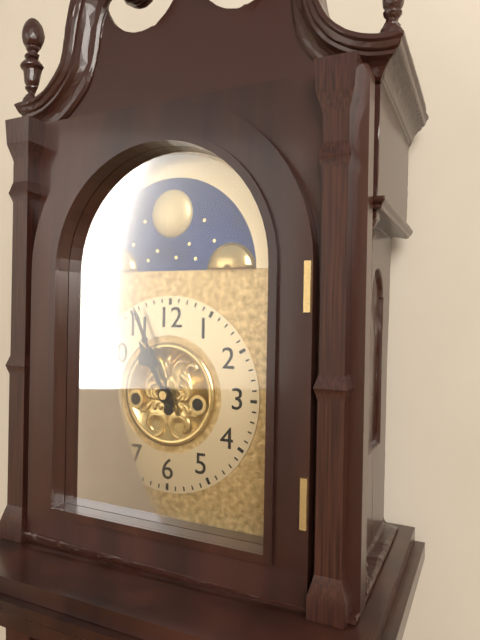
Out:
10,56
